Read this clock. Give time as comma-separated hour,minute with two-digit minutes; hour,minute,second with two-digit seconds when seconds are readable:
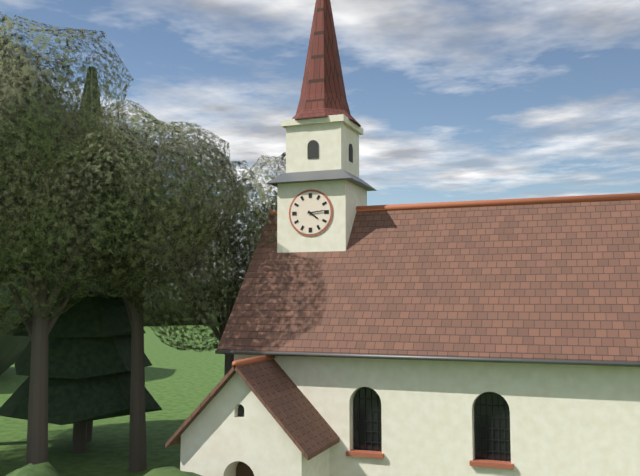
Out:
4,14
